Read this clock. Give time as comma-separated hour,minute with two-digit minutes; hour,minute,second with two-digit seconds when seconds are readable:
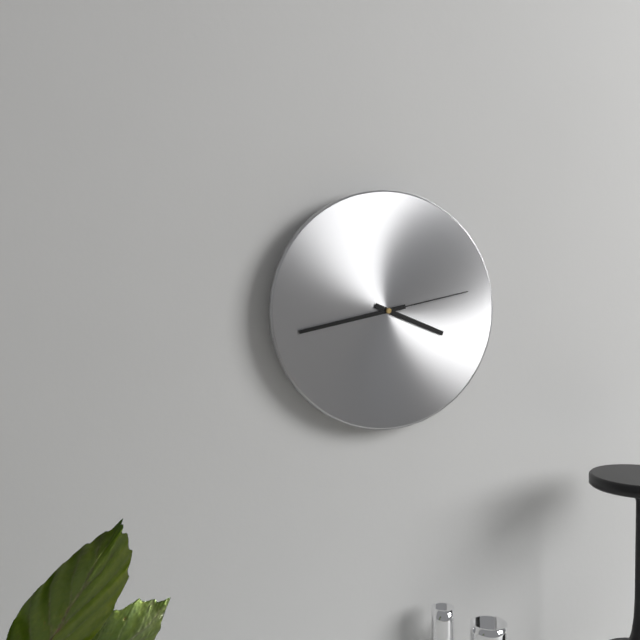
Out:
3,43,13
